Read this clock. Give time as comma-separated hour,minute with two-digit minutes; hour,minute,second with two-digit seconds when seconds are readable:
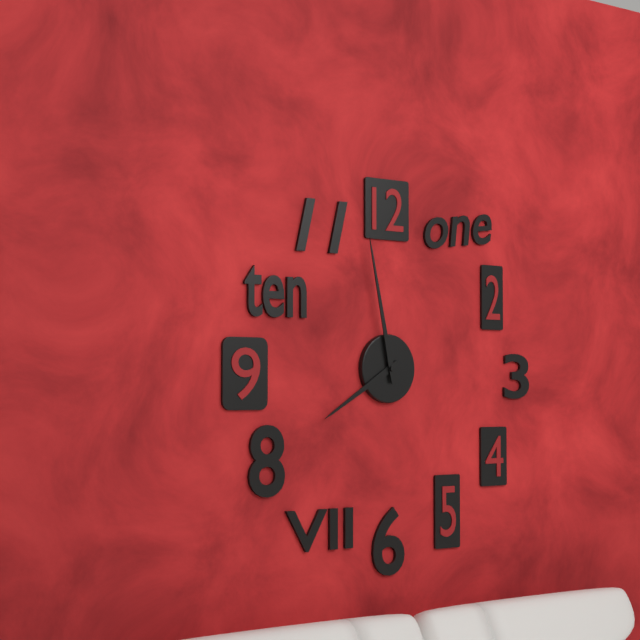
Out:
7,58
